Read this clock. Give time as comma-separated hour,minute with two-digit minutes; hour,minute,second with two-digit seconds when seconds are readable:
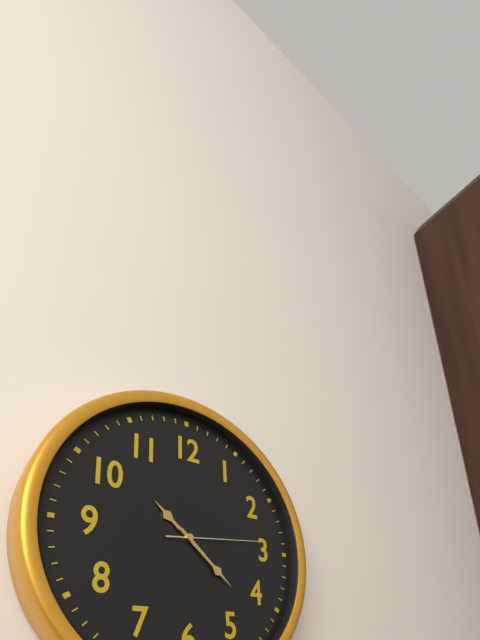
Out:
10,22,14
